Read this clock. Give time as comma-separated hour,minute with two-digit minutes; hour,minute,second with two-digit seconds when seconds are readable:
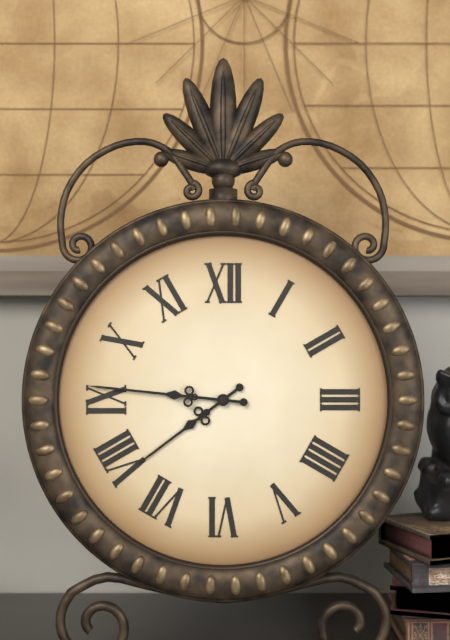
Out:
7,46
